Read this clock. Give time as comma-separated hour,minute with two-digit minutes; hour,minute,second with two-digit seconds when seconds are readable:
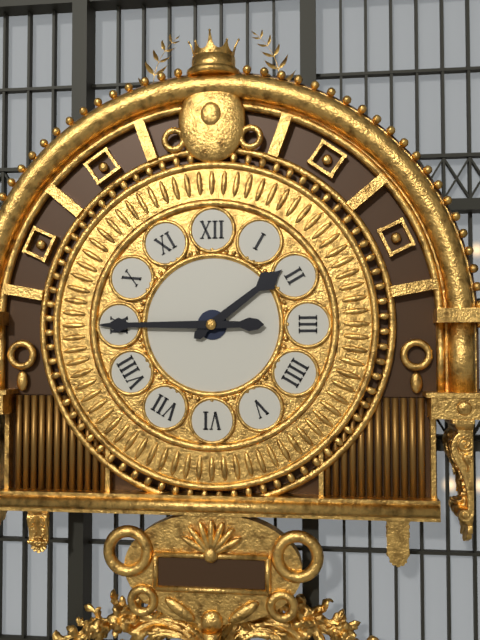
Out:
1,45
